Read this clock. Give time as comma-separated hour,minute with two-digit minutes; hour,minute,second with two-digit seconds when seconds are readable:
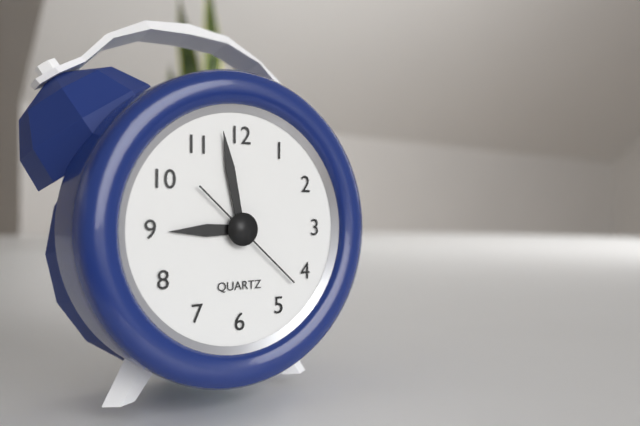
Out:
8,58,22
